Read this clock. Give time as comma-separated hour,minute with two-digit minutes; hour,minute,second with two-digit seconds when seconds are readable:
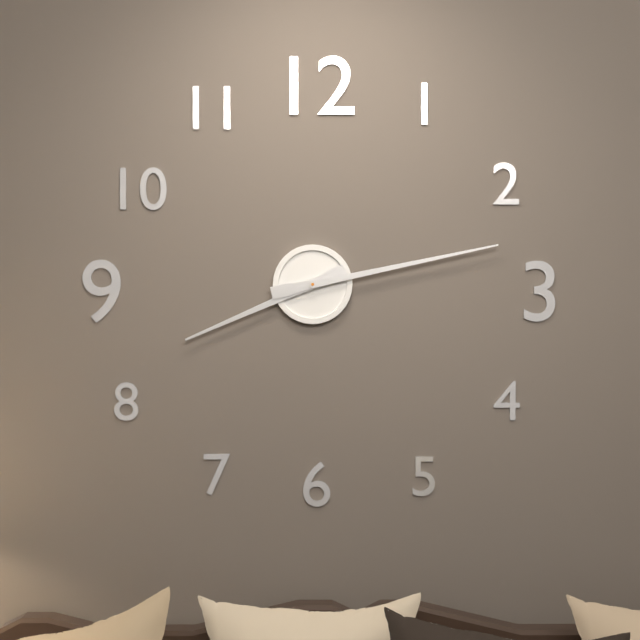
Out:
8,13
